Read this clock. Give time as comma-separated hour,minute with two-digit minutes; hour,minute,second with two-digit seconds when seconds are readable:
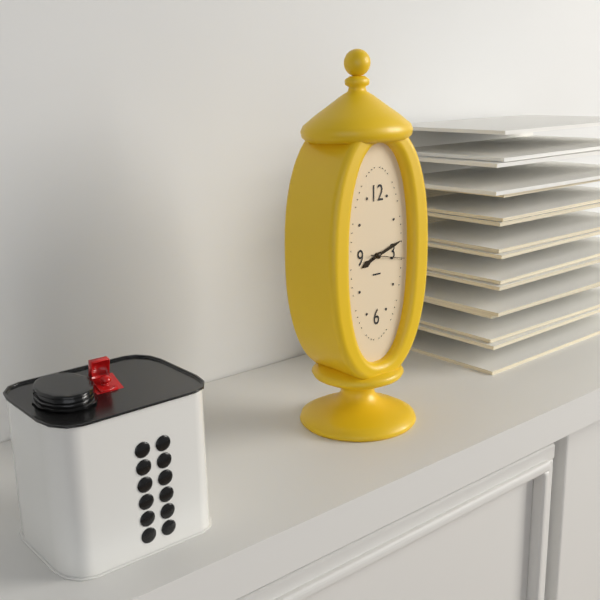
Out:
8,12
